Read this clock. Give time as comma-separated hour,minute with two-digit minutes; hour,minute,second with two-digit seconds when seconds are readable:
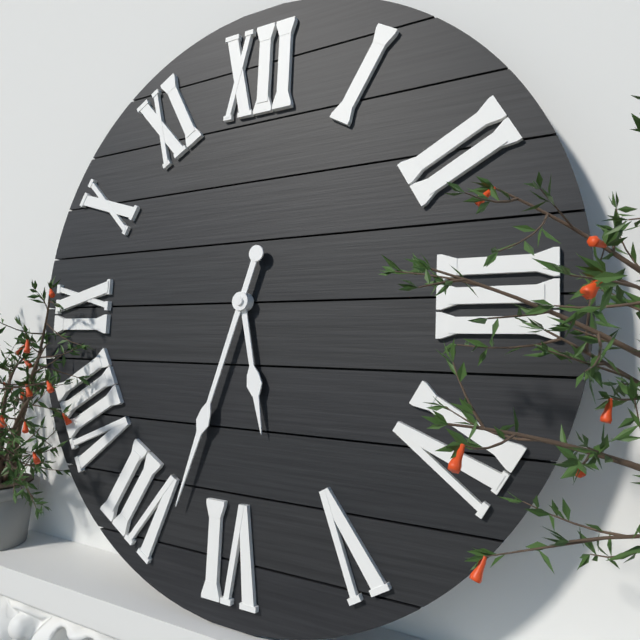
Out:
5,33
